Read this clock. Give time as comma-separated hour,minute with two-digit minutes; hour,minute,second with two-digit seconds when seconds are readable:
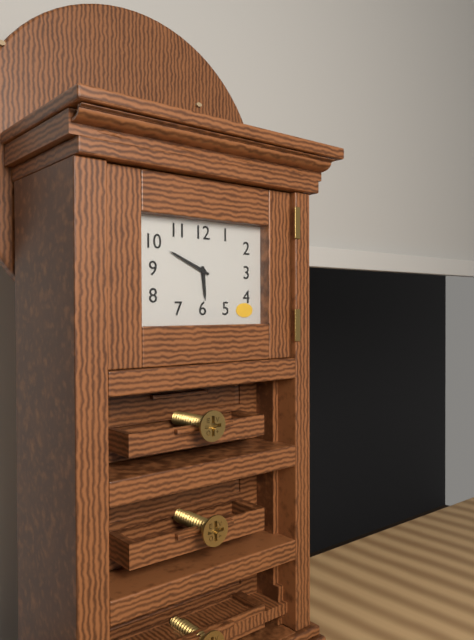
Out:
5,49
